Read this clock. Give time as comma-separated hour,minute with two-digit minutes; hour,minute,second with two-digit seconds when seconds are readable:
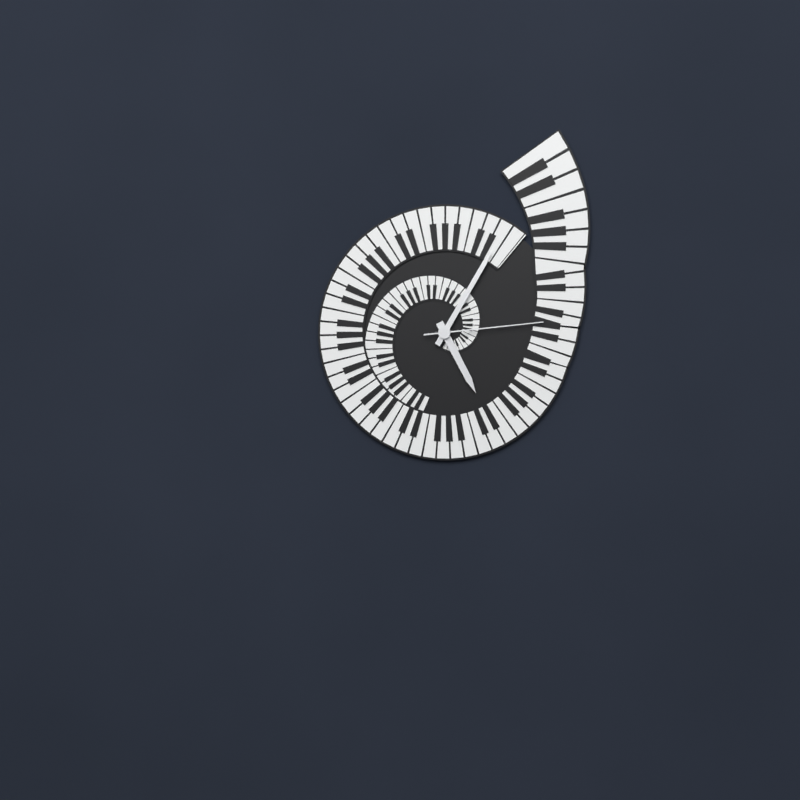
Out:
5,05,14
